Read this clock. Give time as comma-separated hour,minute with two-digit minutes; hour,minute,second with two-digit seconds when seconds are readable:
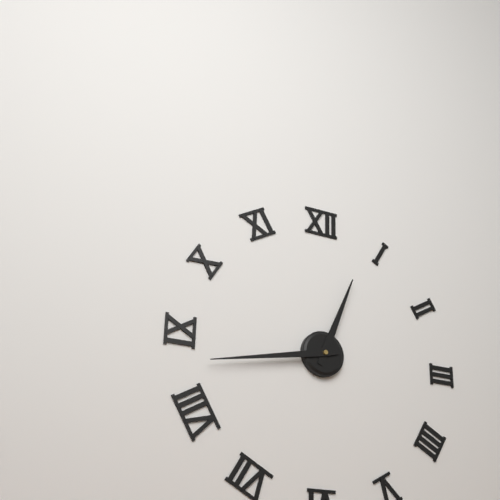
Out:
12,43
